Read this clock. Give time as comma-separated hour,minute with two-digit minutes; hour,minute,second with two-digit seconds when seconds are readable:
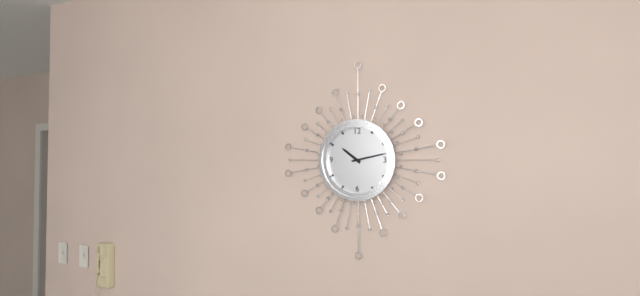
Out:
10,13
